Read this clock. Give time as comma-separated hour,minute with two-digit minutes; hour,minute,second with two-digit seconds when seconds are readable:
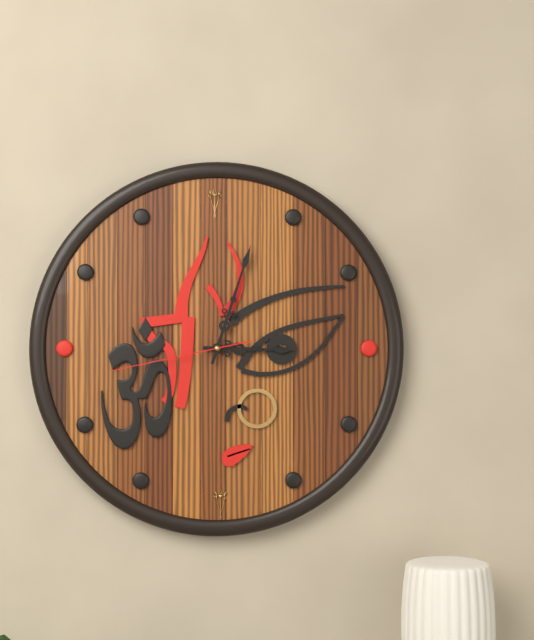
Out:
3,03,43
